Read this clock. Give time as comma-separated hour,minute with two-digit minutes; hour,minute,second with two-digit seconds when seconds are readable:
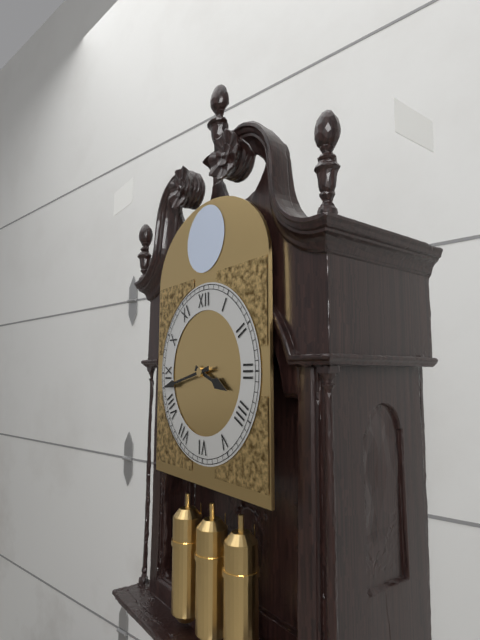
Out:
3,43
